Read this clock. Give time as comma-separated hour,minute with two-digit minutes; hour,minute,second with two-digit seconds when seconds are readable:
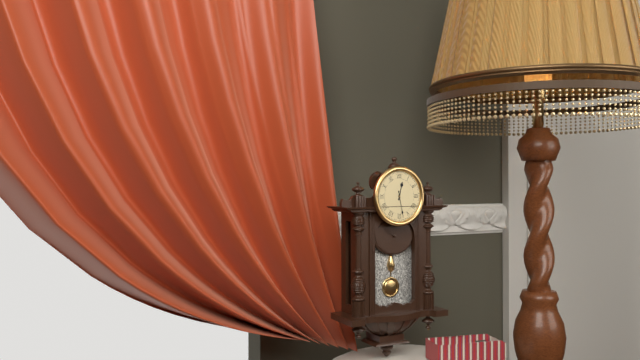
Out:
12,28
